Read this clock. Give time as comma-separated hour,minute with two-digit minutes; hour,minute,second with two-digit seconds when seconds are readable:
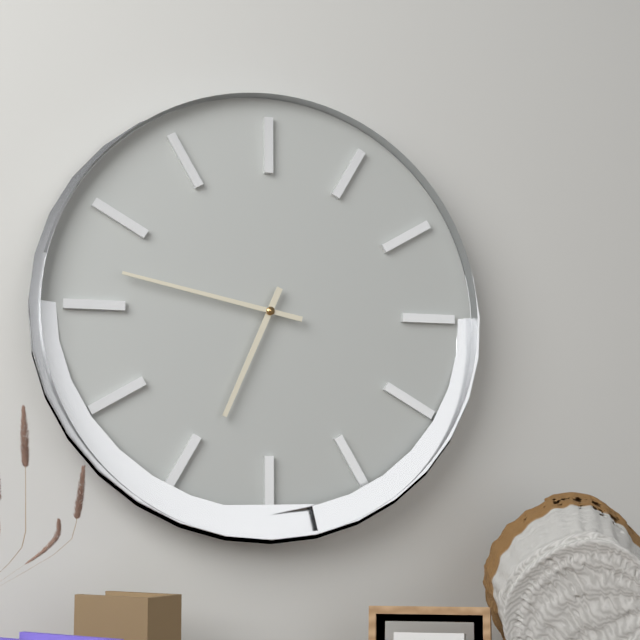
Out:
6,47
